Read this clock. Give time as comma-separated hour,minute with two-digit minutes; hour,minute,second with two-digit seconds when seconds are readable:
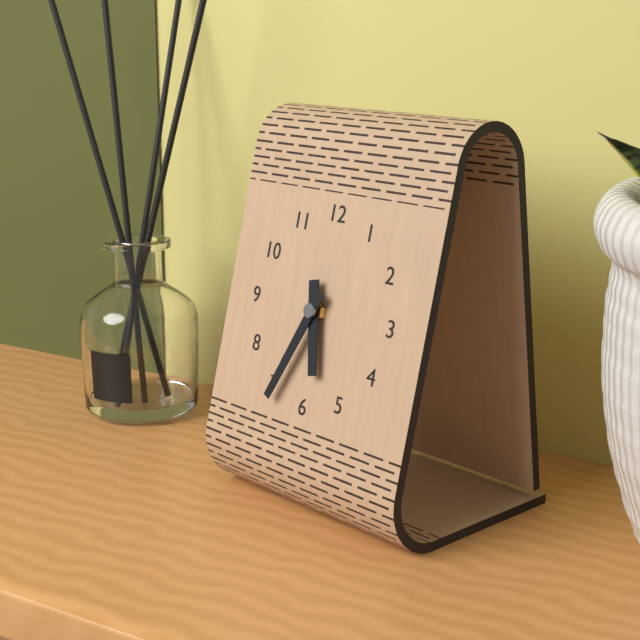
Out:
5,34
